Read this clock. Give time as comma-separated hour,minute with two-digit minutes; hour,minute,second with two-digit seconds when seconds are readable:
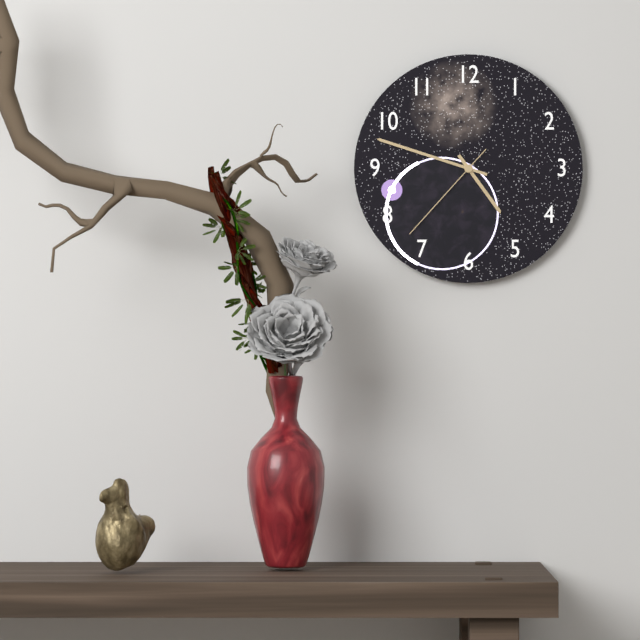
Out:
4,48,37
